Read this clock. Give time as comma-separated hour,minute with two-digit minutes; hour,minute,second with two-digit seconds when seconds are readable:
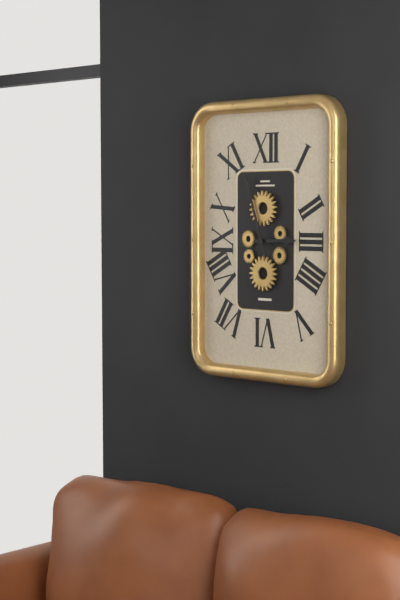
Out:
2,57
